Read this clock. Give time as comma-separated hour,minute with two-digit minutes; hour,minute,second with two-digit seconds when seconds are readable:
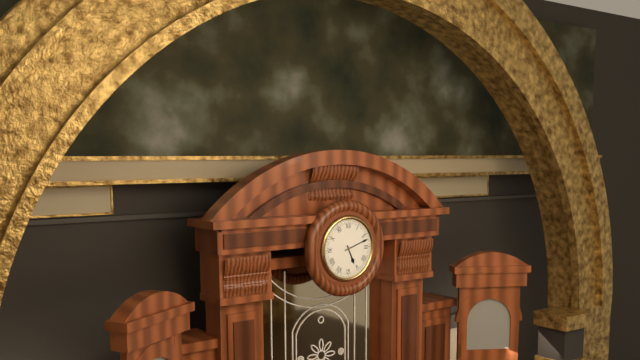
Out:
5,12
